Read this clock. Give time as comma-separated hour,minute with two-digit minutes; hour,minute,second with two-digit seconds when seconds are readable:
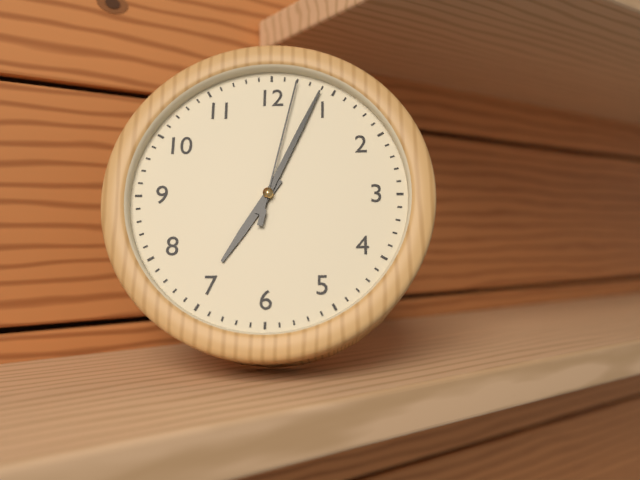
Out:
7,04,02
